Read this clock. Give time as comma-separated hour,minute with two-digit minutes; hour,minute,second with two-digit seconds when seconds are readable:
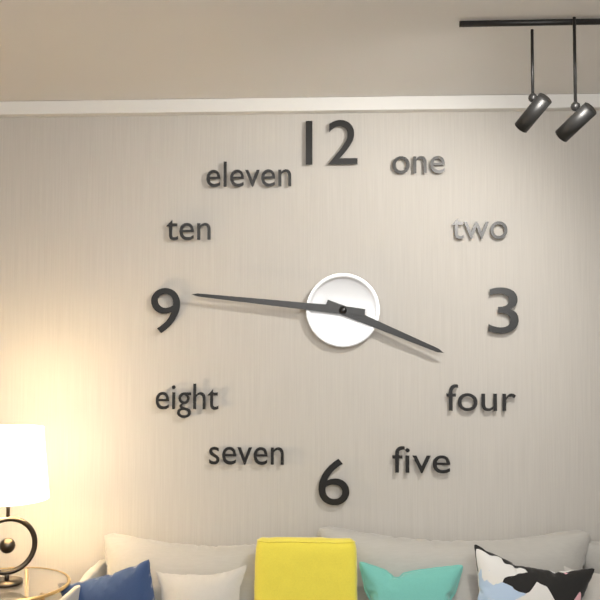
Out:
3,46
